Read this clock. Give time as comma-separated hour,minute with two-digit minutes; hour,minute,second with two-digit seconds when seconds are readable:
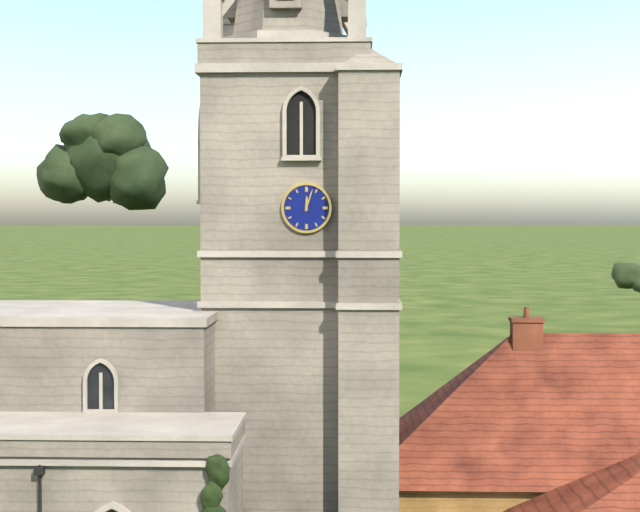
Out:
12,03
